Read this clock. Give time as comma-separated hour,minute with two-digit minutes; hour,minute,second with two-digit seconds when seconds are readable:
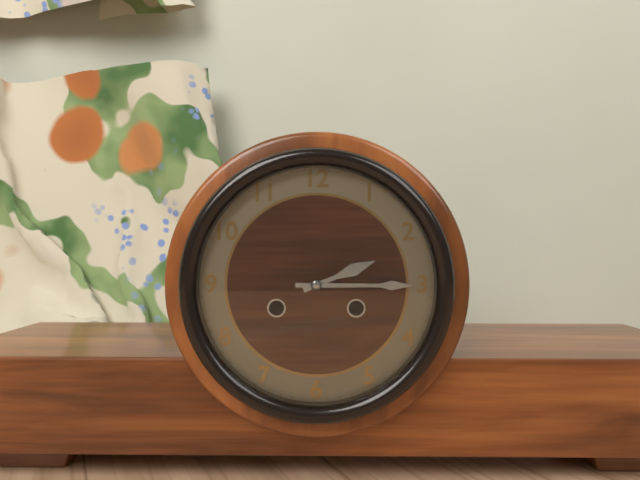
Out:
2,15
